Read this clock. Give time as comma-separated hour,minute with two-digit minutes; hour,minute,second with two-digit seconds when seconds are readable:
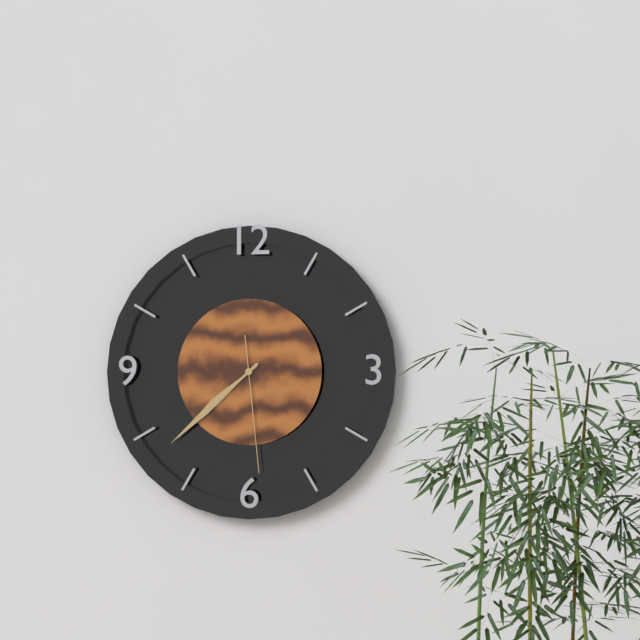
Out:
7,38,29
